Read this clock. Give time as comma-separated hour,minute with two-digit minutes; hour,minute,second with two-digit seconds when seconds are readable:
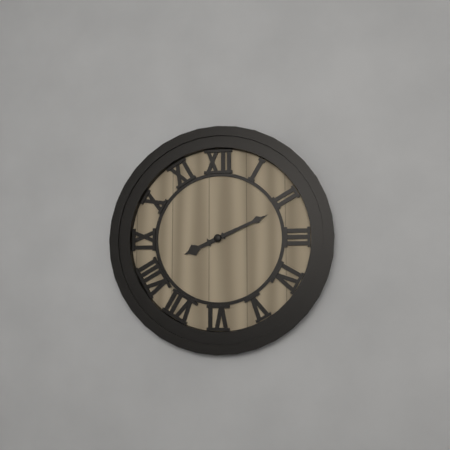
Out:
8,11
